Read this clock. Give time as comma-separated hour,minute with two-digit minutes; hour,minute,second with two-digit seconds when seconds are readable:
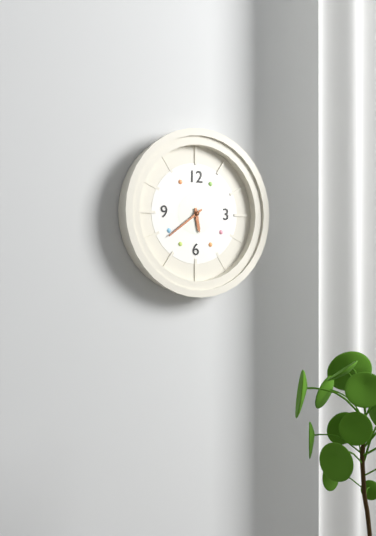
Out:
5,39
